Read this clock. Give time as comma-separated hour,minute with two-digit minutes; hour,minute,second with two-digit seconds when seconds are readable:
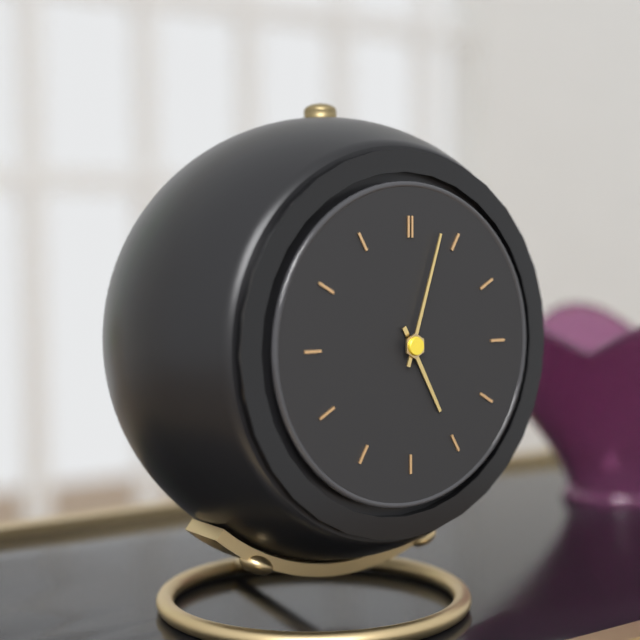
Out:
5,03
